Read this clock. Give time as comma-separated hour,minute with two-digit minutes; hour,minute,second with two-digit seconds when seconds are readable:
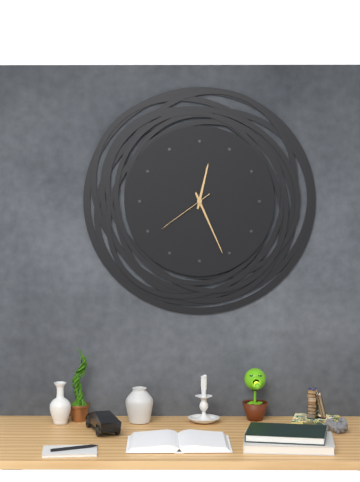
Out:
12,26,39
